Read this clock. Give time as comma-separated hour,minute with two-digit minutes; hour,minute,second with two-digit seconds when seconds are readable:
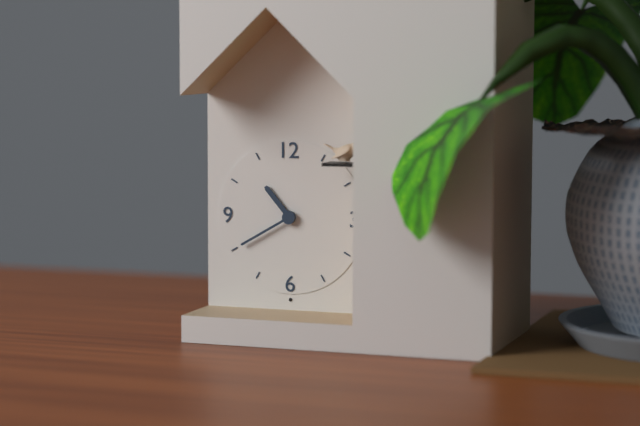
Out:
10,40
